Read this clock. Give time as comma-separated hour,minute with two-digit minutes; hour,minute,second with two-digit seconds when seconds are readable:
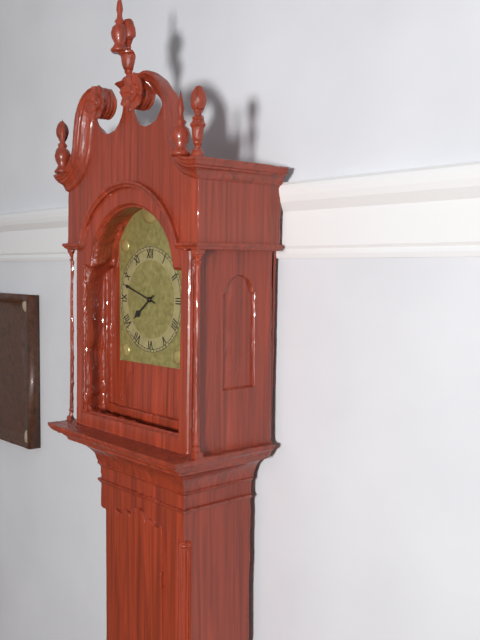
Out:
7,48
